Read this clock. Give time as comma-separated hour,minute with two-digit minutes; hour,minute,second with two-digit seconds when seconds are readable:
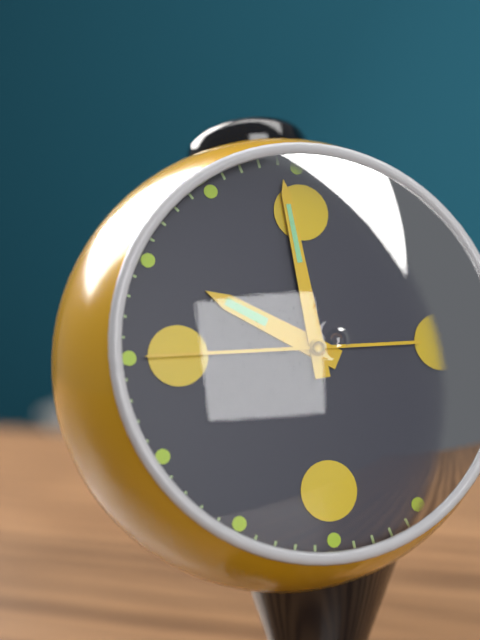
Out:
9,59,45
